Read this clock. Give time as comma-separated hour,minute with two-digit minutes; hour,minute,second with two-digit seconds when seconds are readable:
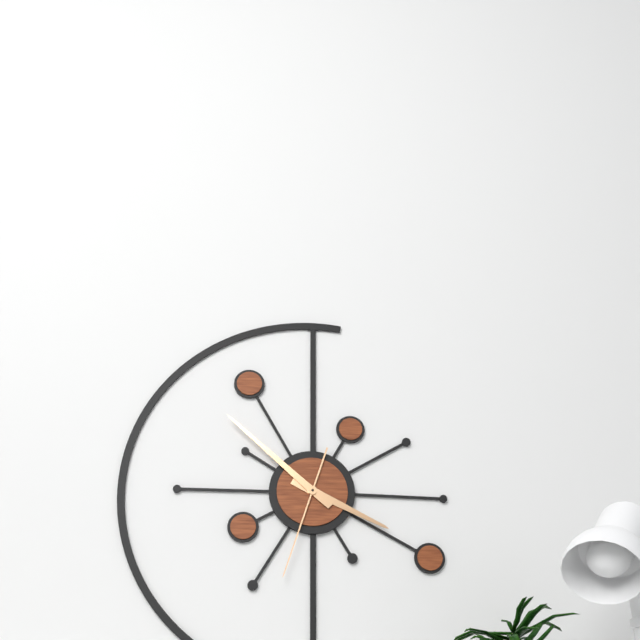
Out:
3,52,33
